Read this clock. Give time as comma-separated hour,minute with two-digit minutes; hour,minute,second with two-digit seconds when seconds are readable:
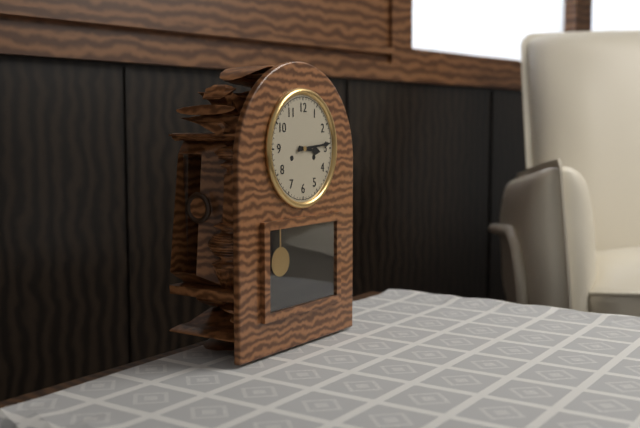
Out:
3,14
